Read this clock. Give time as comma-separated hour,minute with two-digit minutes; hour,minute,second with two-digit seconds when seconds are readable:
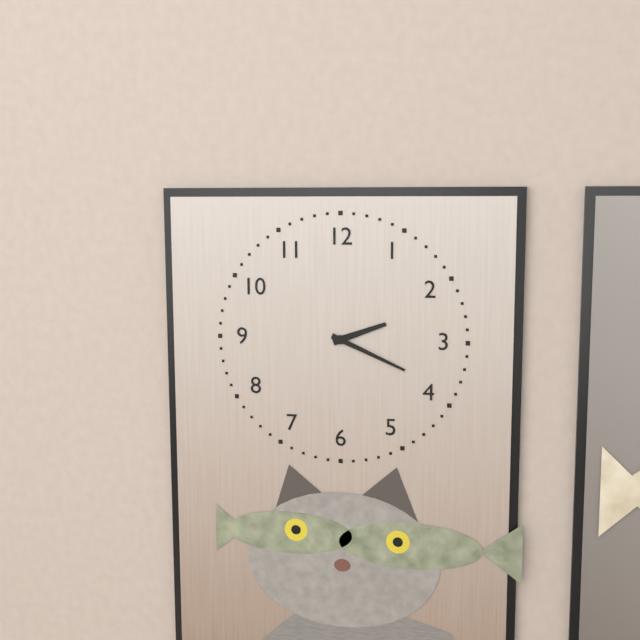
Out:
2,19
